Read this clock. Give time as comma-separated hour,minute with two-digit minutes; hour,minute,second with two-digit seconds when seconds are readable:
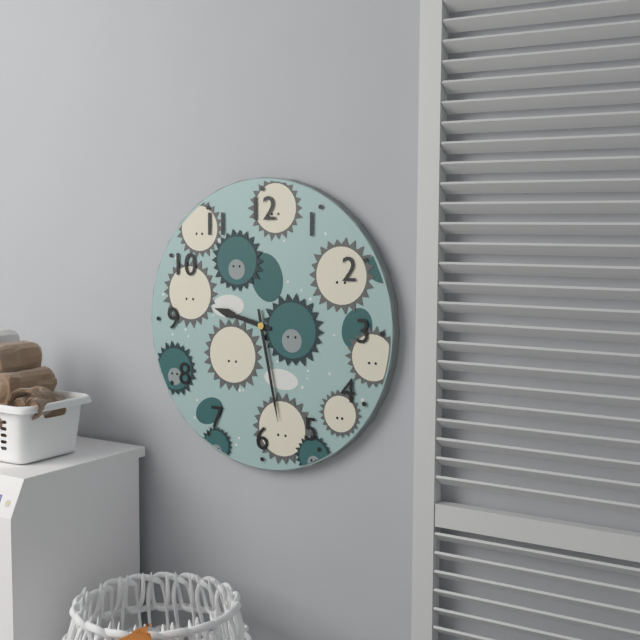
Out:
9,28
